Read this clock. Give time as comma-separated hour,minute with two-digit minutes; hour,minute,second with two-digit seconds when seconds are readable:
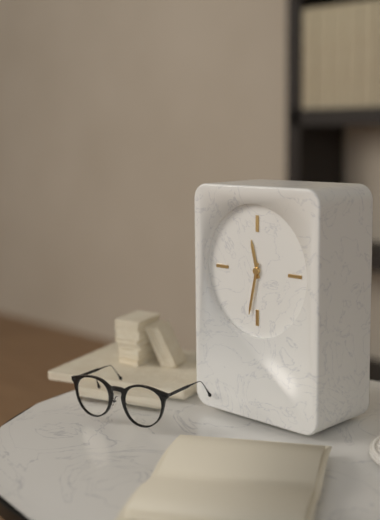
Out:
11,32
